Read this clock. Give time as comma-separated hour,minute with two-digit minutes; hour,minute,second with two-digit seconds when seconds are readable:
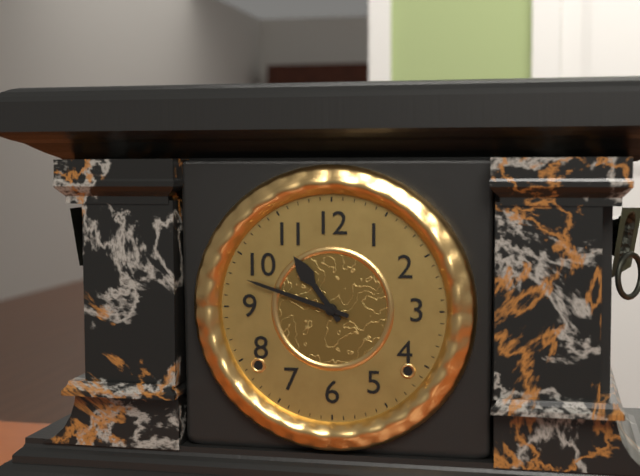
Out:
10,48
